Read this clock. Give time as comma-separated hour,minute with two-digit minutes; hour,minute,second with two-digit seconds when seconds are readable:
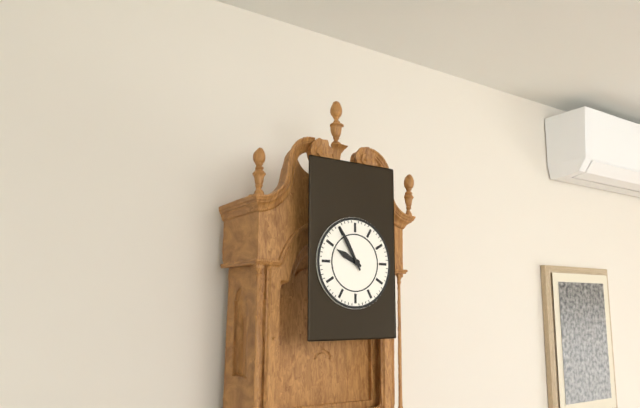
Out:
9,55
